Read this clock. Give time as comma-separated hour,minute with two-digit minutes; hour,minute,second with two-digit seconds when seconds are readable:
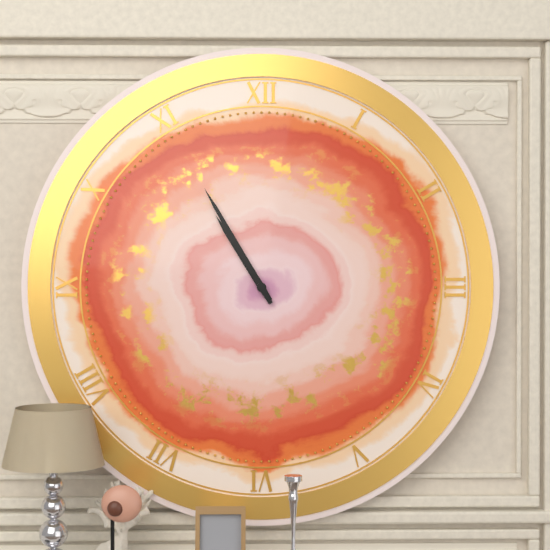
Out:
10,55
